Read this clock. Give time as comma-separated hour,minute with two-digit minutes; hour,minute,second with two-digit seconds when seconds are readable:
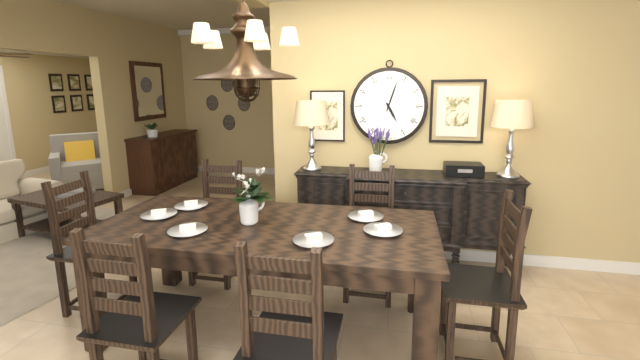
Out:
5,03
